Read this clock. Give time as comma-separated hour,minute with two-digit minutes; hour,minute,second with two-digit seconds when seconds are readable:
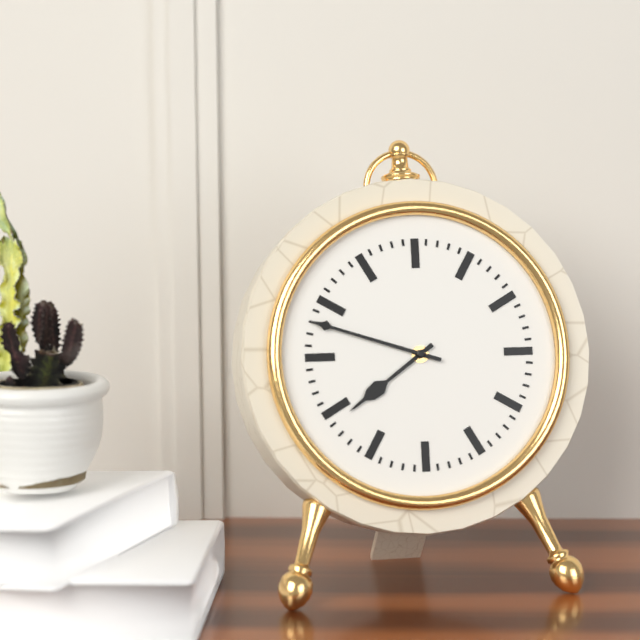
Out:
7,48
